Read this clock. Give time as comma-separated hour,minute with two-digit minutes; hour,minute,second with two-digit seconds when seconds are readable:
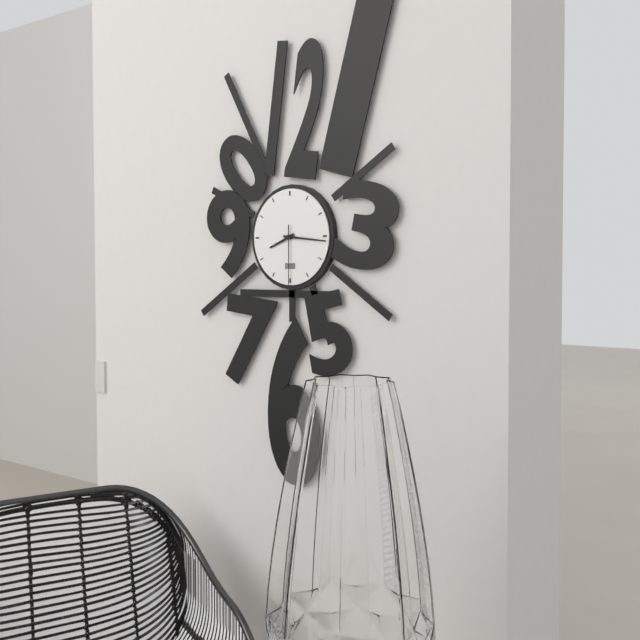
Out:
8,16,30
